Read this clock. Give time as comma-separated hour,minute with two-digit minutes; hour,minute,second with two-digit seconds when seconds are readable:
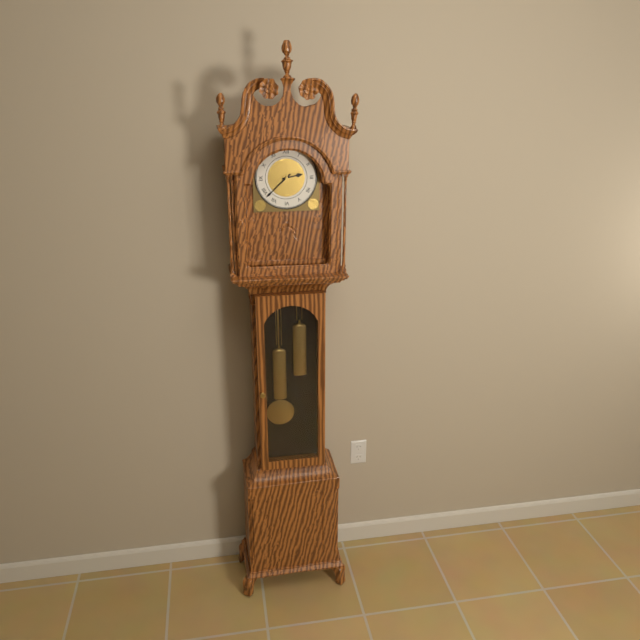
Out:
2,38
